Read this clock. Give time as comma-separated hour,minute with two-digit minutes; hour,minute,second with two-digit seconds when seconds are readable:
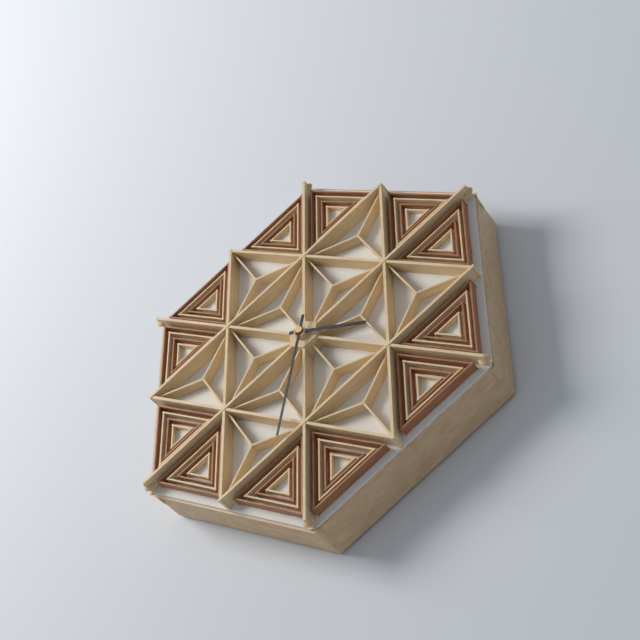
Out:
3,32
